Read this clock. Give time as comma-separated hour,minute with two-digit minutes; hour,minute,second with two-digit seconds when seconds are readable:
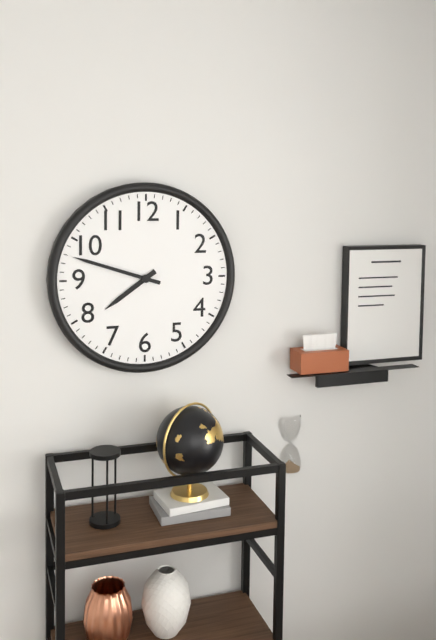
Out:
7,48
